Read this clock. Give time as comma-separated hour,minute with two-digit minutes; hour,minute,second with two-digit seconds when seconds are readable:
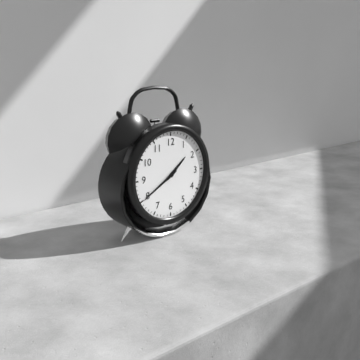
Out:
1,40
